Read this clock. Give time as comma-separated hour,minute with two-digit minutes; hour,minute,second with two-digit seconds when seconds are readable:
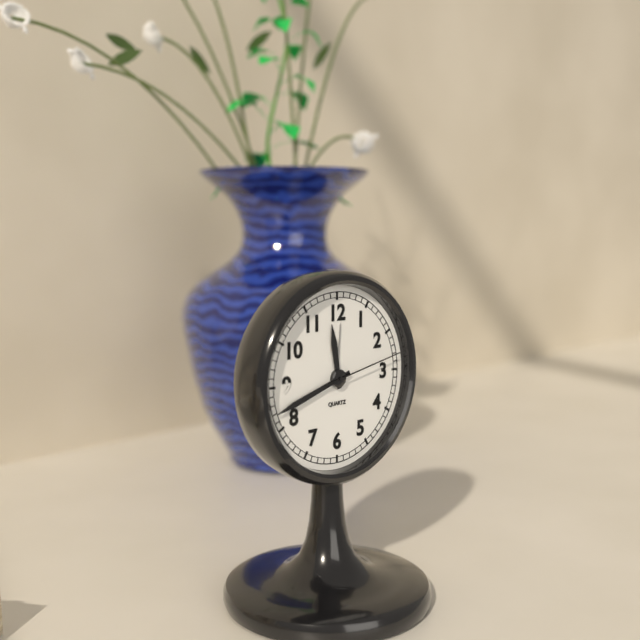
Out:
11,42,13
